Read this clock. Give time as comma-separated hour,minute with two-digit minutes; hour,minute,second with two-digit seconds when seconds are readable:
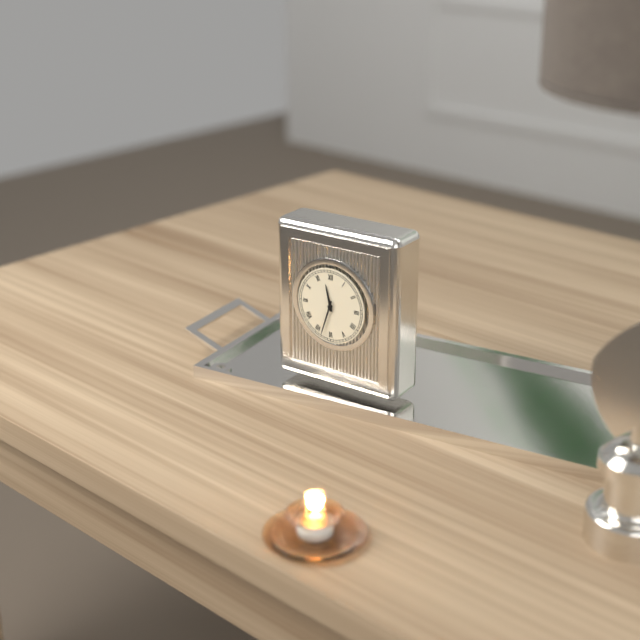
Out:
11,33
